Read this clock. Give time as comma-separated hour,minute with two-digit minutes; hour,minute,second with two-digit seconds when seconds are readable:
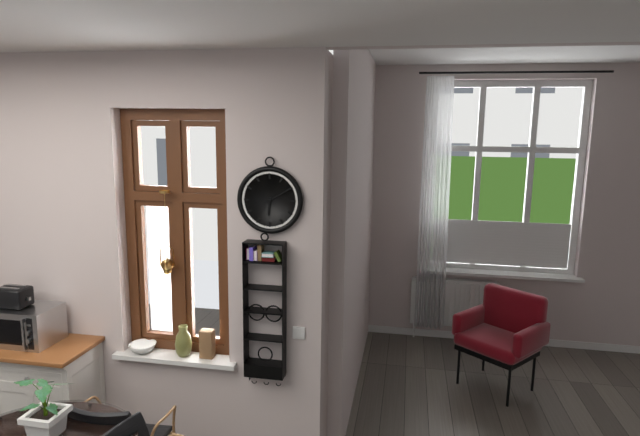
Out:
6,10
